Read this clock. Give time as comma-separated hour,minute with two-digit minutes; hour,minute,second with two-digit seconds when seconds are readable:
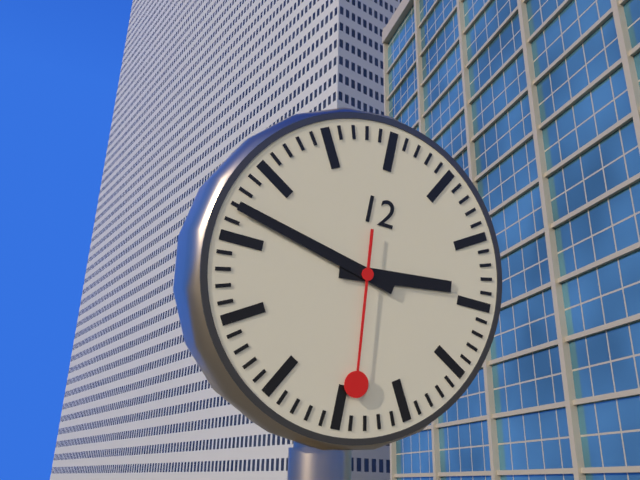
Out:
2,47,29
